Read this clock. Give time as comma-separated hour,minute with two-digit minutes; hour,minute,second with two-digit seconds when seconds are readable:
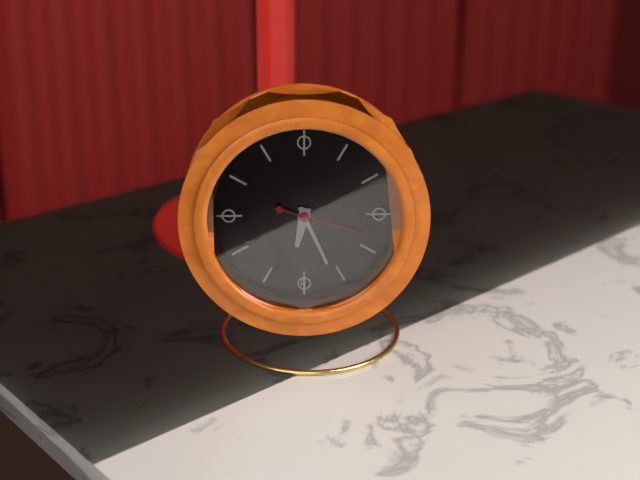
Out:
6,26,18
